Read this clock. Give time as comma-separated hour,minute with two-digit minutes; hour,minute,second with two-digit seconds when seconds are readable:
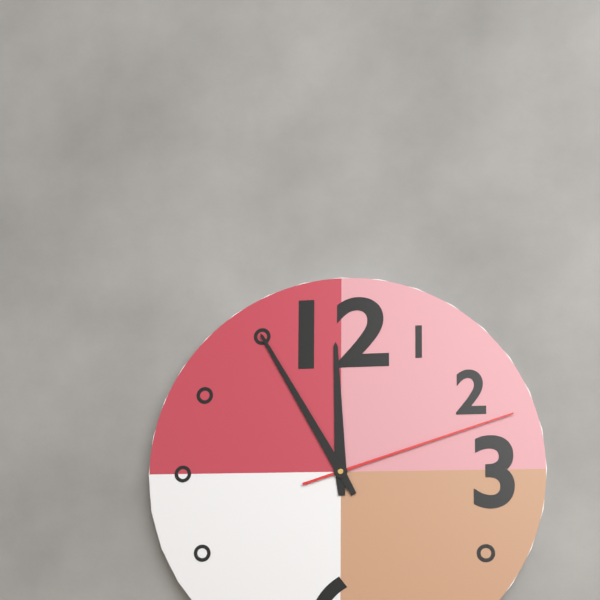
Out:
11,55,12
